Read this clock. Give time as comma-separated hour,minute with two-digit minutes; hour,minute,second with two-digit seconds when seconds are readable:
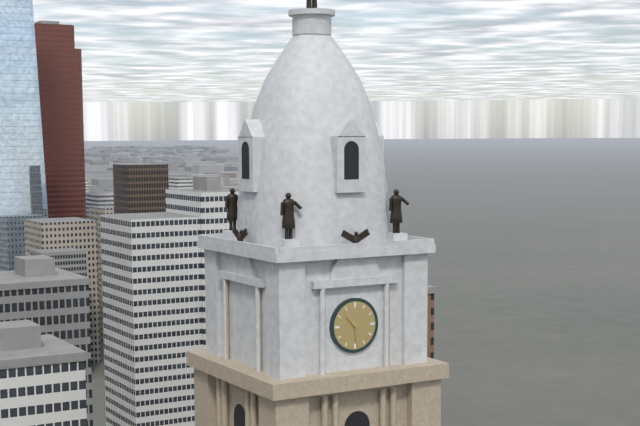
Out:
10,29
